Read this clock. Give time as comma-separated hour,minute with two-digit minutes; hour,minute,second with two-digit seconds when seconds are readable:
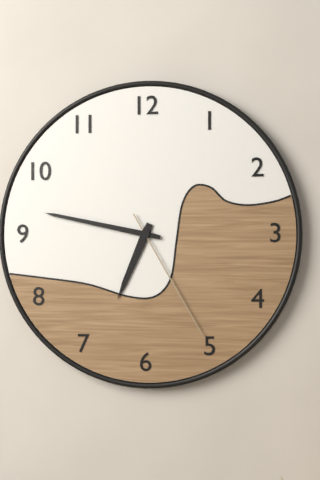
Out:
6,47,25
